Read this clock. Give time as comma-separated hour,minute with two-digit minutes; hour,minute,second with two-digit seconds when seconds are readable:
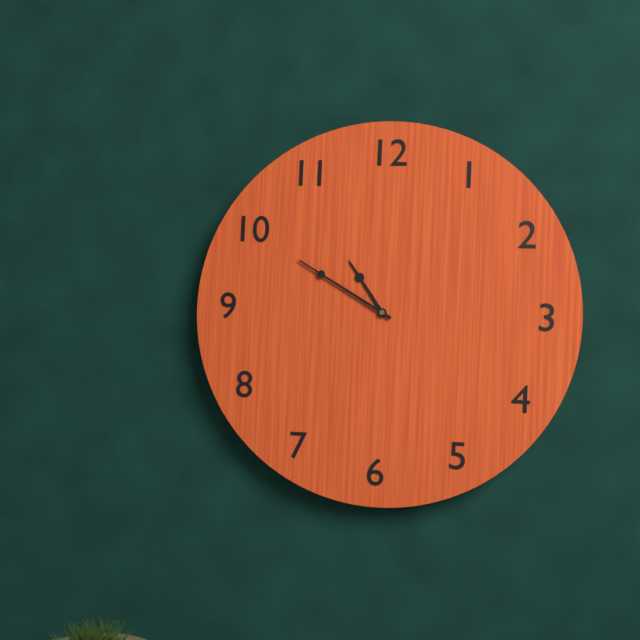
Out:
10,50
